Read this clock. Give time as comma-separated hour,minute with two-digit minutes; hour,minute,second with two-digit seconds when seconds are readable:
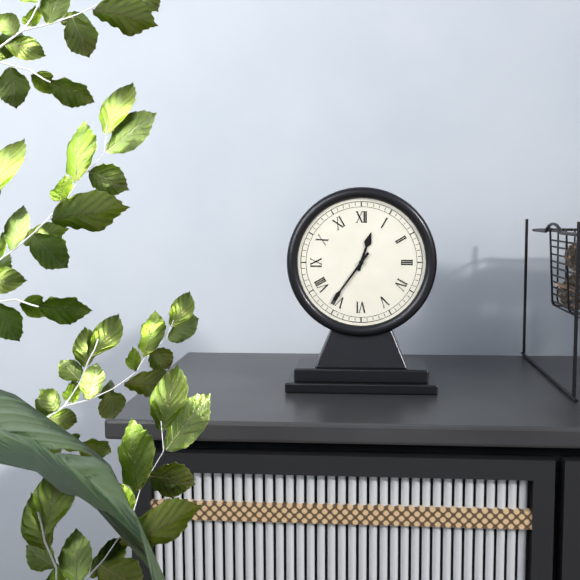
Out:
12,36
